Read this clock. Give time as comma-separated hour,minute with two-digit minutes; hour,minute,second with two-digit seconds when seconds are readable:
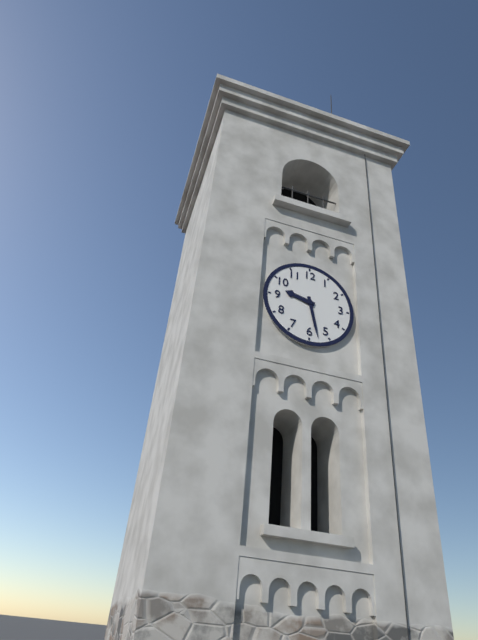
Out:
9,28
